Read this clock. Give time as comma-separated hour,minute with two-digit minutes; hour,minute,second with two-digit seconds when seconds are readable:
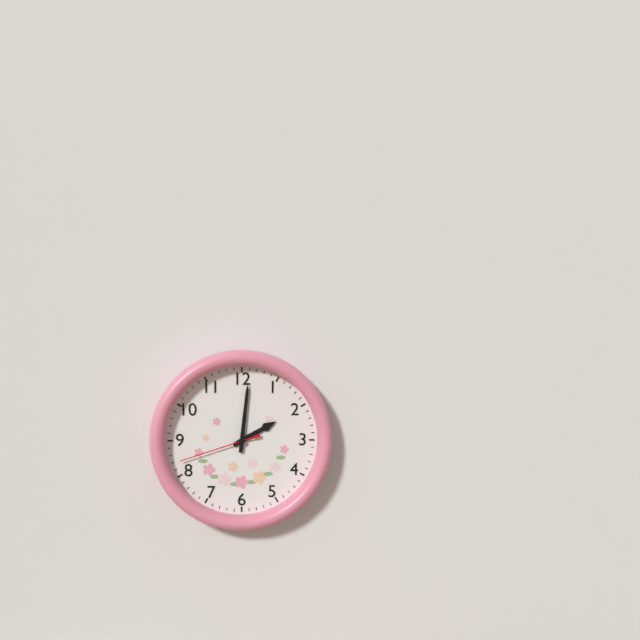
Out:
2,01,42
